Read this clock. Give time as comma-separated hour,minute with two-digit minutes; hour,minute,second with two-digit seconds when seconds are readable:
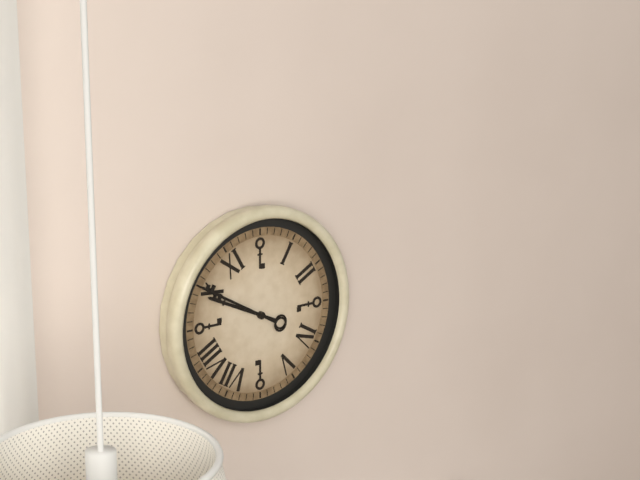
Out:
9,50
